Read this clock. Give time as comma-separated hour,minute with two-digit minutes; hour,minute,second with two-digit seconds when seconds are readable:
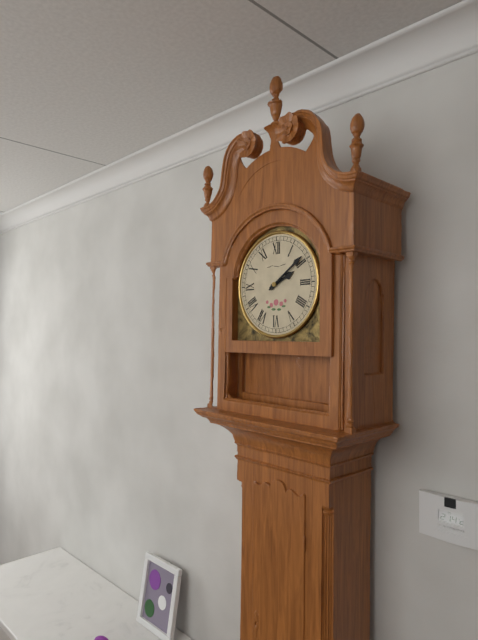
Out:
2,09
